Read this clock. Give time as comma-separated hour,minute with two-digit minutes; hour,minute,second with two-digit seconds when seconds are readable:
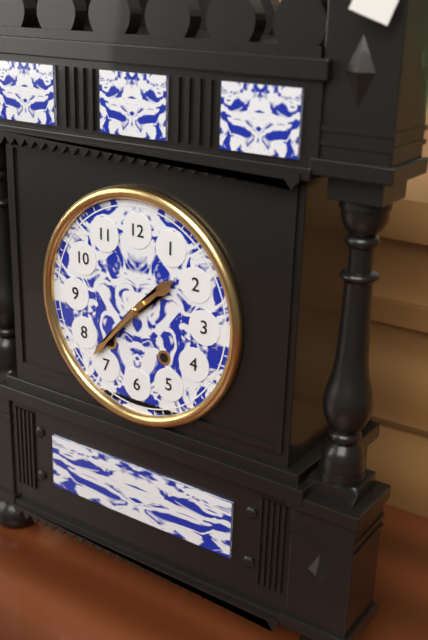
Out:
1,37
